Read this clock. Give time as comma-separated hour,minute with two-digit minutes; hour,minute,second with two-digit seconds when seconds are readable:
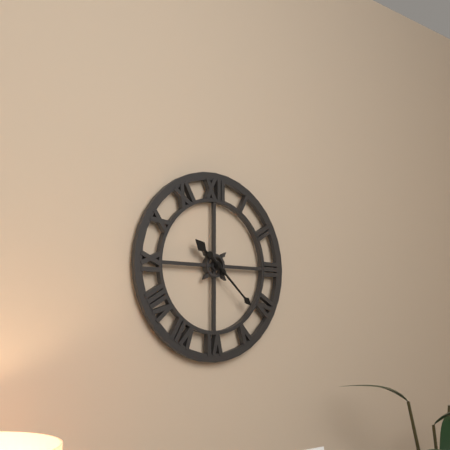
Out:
10,22
